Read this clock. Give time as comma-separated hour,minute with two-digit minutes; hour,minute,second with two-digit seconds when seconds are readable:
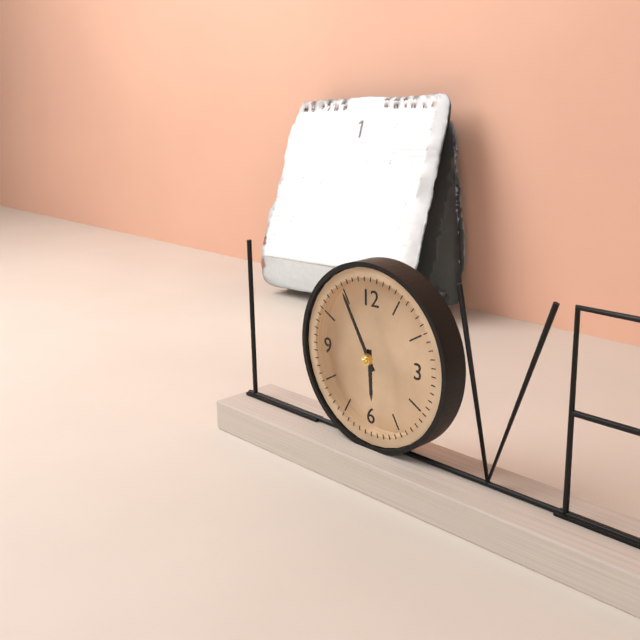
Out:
5,55
